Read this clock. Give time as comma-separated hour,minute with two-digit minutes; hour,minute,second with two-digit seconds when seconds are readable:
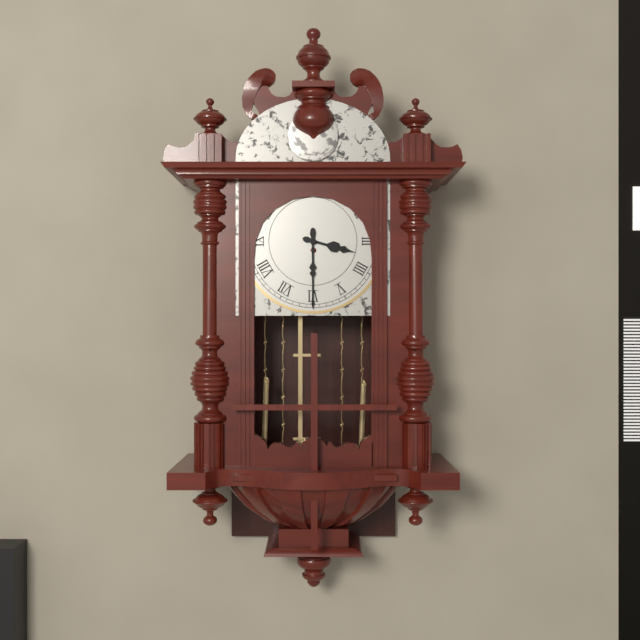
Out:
3,30
